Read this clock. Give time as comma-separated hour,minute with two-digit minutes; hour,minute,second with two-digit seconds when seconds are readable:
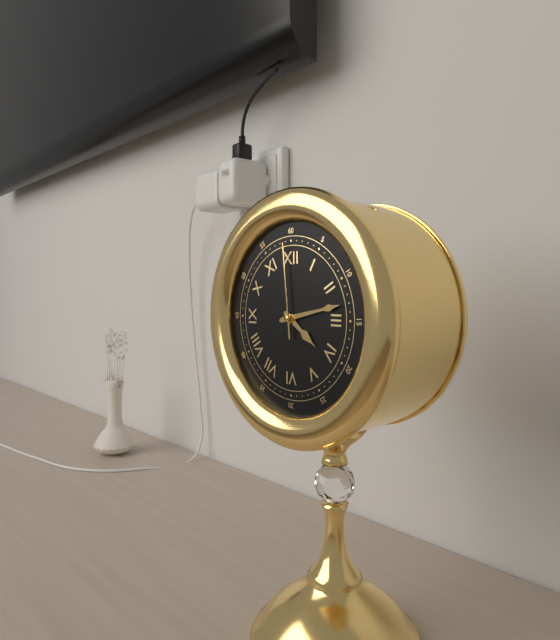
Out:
4,13,59
